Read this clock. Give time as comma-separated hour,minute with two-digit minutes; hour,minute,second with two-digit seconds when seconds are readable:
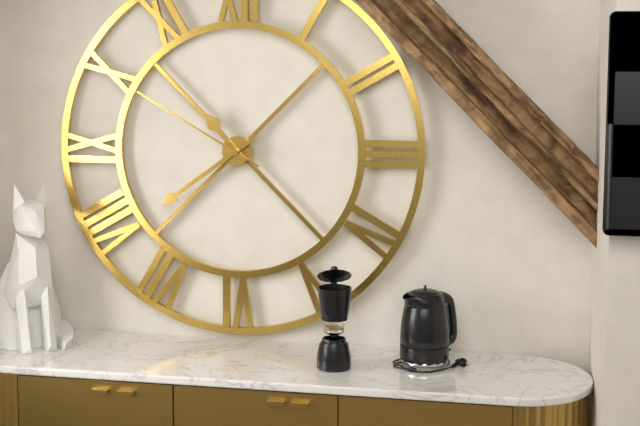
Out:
10,39,50
